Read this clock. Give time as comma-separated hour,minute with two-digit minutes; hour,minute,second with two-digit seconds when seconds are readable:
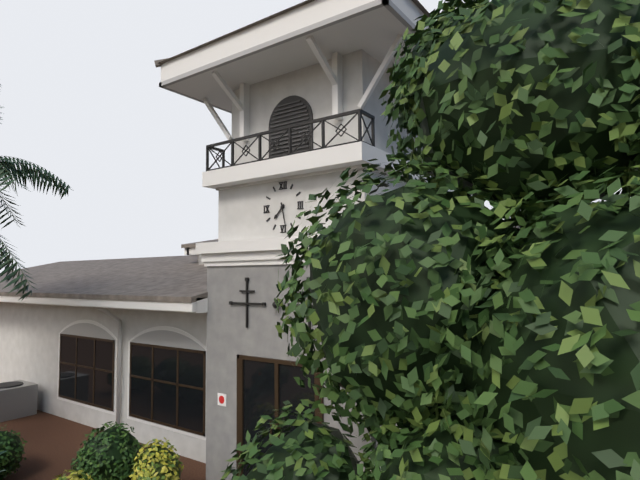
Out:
7,28
